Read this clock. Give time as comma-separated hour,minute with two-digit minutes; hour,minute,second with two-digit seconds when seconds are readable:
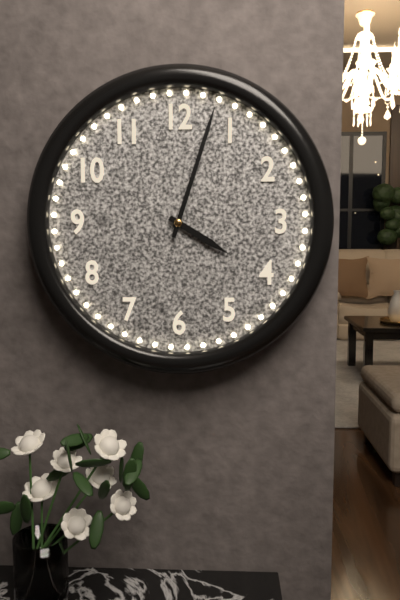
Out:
4,03
